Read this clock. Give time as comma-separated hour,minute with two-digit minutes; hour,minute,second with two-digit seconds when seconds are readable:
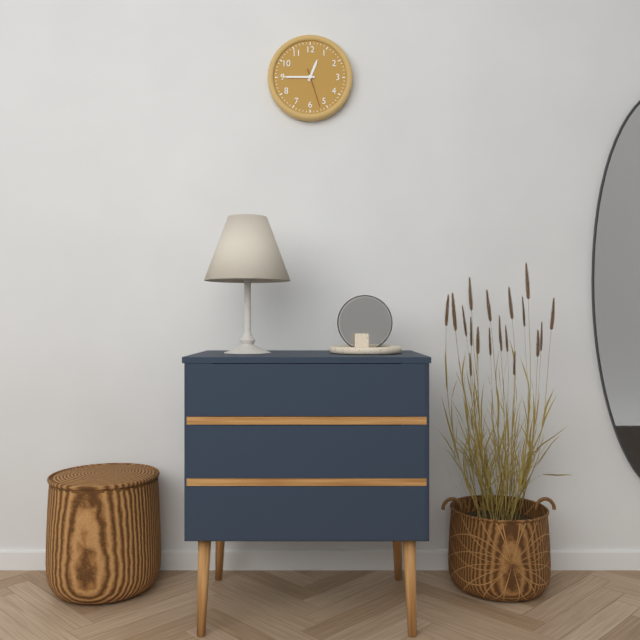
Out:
12,45
